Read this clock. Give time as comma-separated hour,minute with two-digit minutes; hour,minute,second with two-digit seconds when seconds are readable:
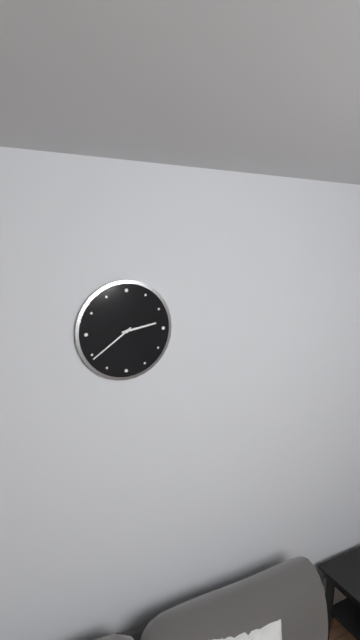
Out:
2,39
